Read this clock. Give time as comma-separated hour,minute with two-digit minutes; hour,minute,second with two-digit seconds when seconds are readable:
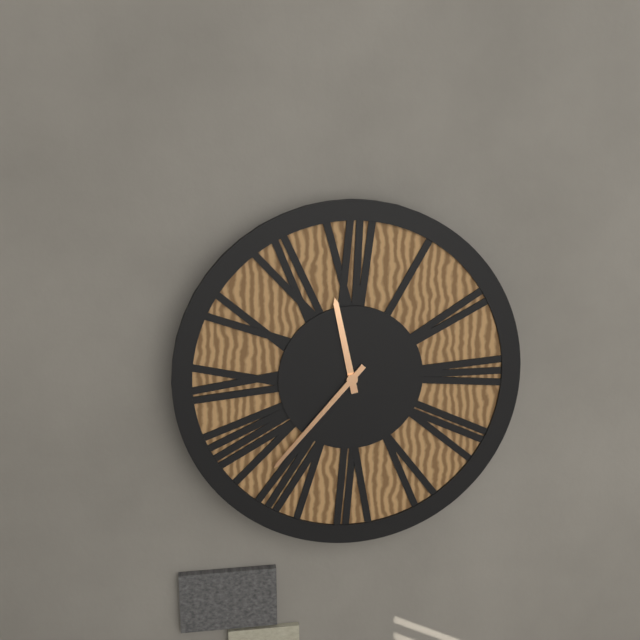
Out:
11,37
